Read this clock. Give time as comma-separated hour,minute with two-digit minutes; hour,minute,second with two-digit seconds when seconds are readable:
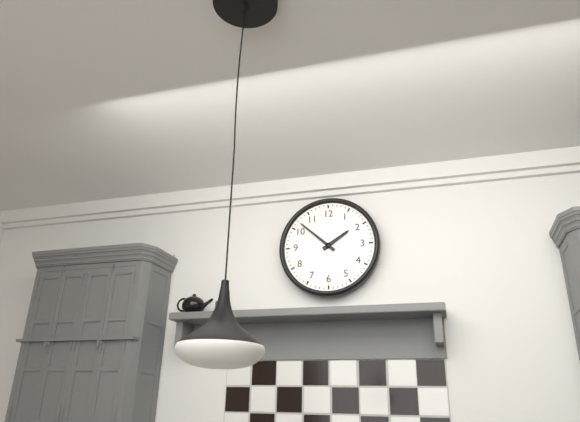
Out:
1,52
